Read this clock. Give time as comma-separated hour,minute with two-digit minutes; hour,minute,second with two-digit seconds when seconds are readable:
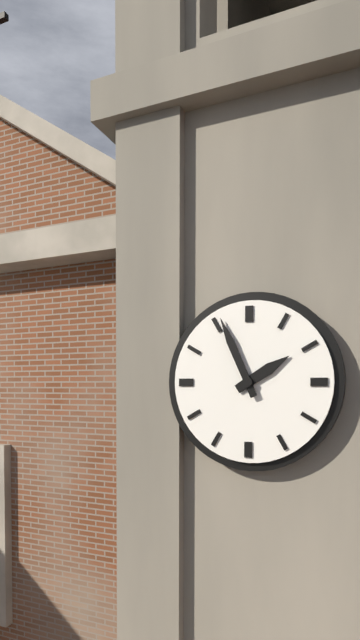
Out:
1,56
